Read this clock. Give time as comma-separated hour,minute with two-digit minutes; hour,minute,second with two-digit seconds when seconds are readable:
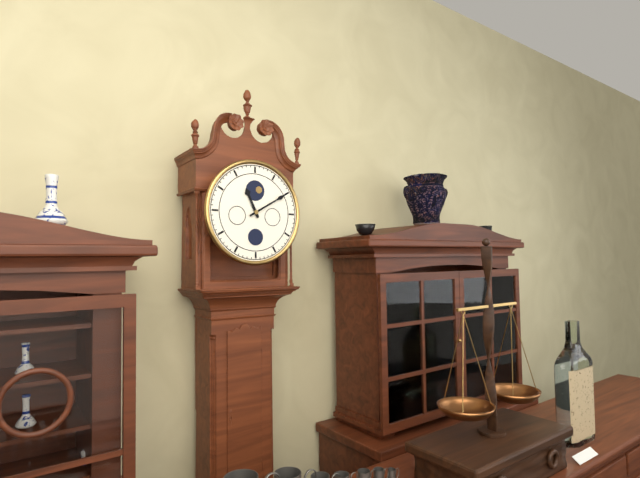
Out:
11,10
